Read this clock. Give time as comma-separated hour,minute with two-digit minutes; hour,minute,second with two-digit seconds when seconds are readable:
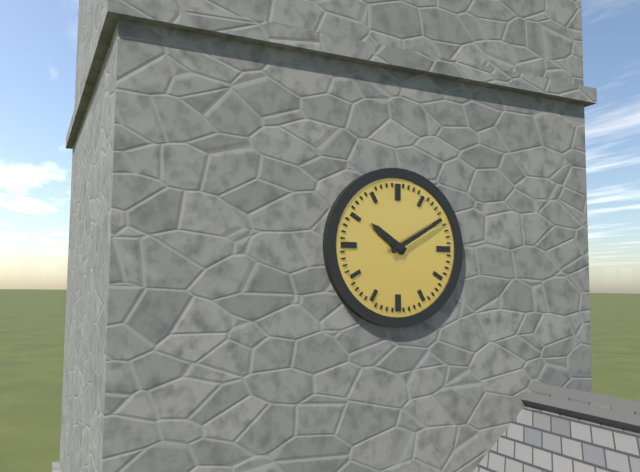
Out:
10,10
